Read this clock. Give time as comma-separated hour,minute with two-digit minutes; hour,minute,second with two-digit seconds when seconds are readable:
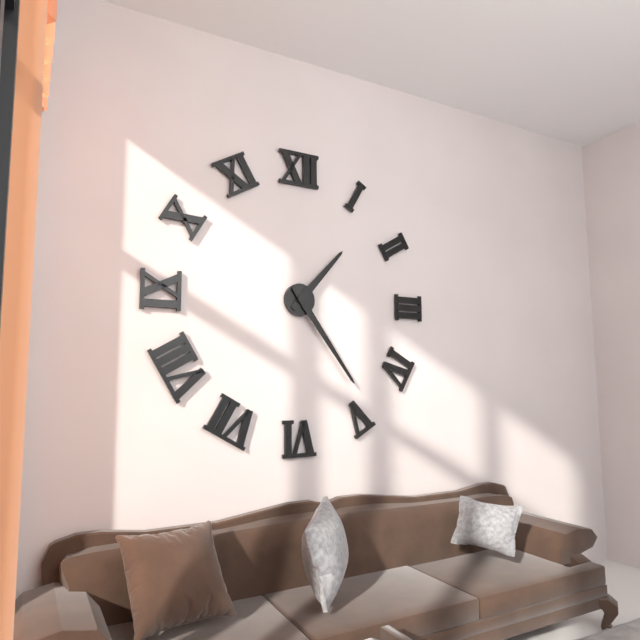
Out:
1,24
